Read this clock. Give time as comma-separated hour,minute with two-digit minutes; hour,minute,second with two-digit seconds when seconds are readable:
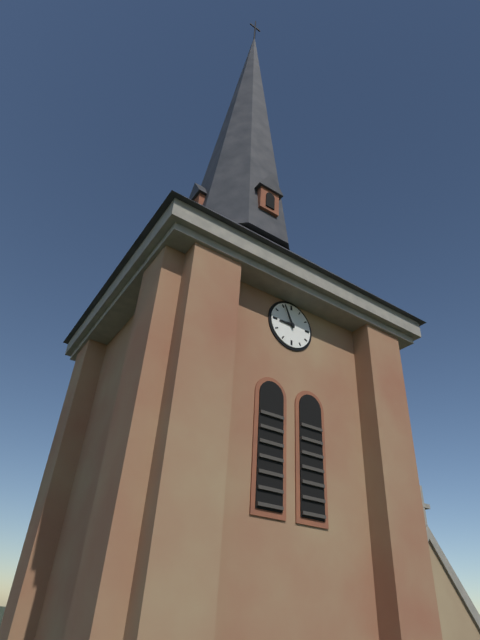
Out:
8,56
